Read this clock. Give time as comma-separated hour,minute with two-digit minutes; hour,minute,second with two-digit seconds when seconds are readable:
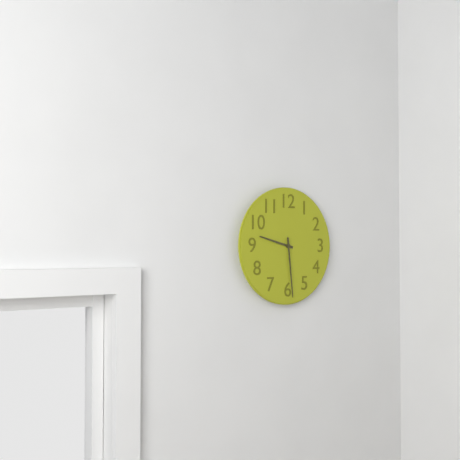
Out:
9,29
